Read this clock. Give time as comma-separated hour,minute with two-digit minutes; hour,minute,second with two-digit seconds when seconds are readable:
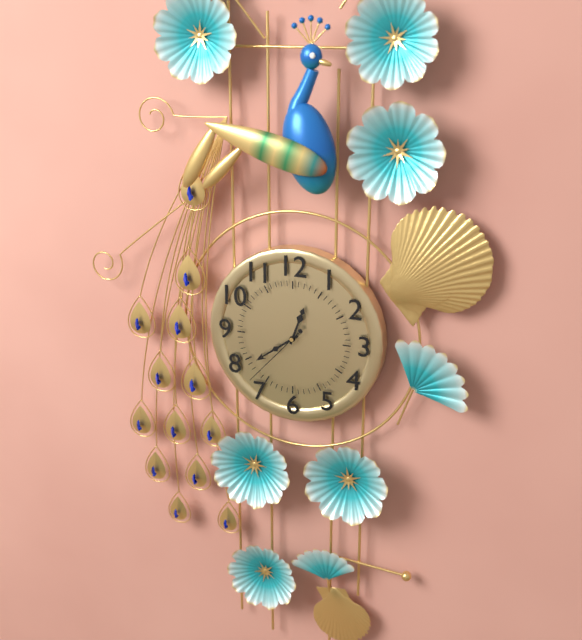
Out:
12,39,37
